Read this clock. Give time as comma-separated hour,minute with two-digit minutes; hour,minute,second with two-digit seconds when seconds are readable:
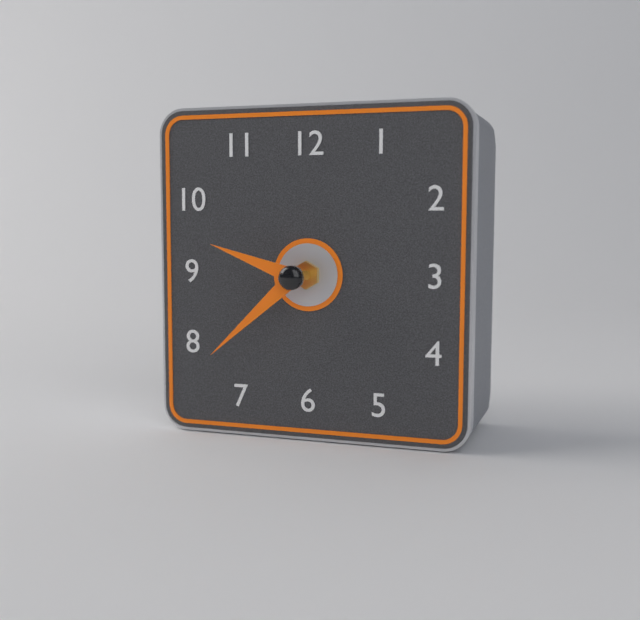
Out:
9,38
